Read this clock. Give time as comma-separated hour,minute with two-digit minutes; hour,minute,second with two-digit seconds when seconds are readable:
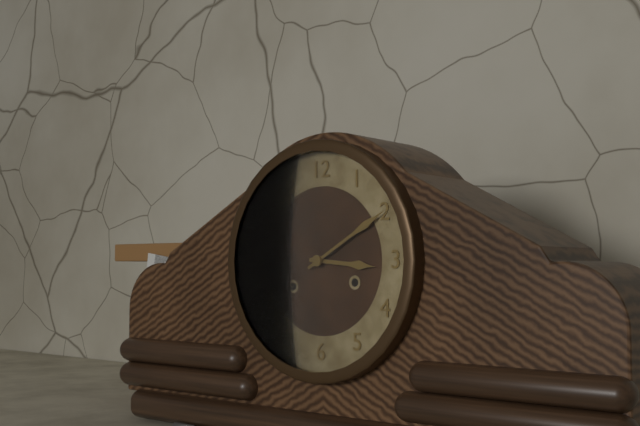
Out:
3,10
